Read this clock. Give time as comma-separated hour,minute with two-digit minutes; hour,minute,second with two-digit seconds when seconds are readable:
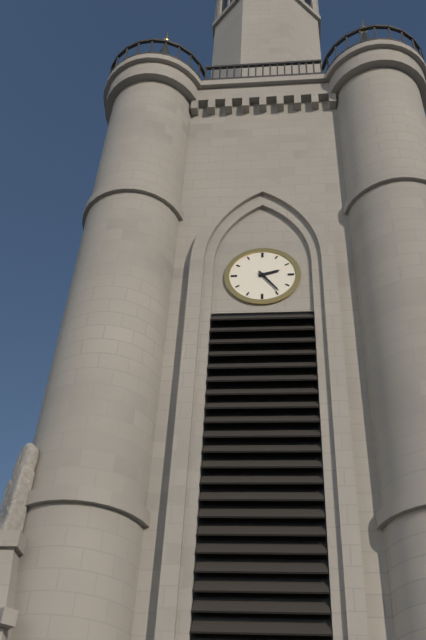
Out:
2,24
